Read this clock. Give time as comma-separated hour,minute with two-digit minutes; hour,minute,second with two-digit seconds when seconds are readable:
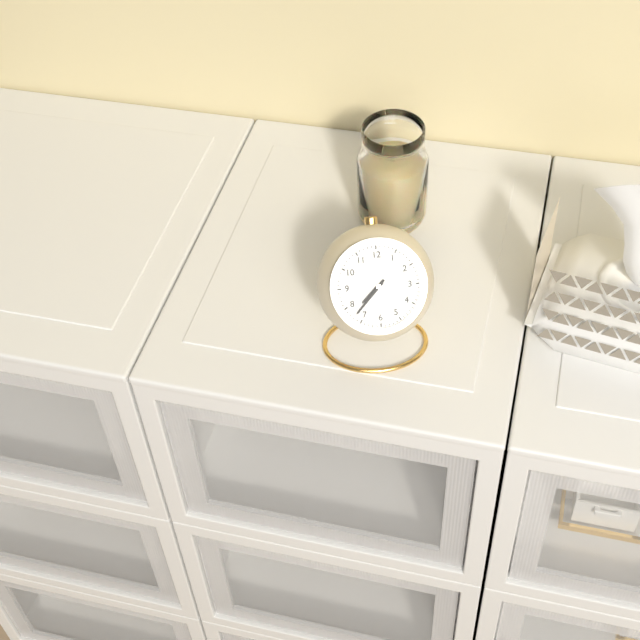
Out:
7,37
